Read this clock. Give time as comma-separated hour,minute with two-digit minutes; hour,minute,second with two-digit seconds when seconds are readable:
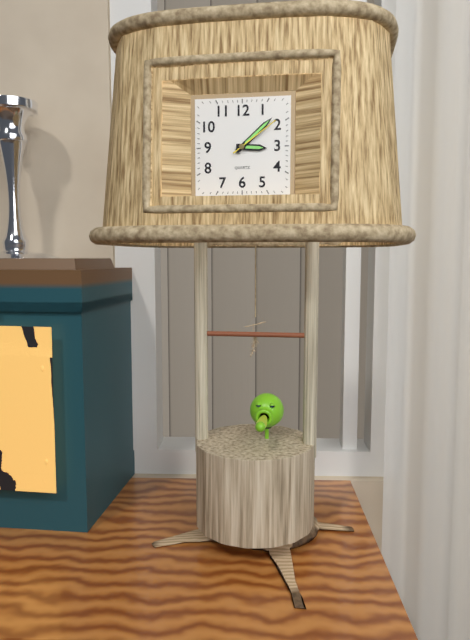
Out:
3,08,09
